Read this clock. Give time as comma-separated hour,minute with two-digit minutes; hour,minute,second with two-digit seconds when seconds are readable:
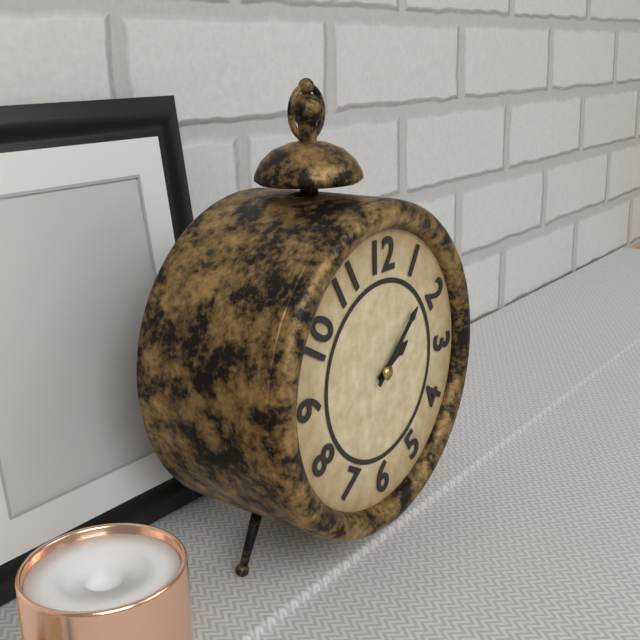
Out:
2,08
